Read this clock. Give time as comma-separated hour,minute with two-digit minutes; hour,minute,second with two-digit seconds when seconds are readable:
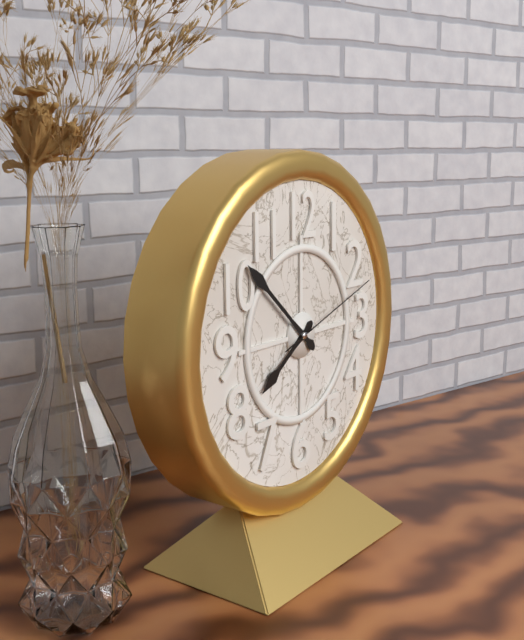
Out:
7,52,12
